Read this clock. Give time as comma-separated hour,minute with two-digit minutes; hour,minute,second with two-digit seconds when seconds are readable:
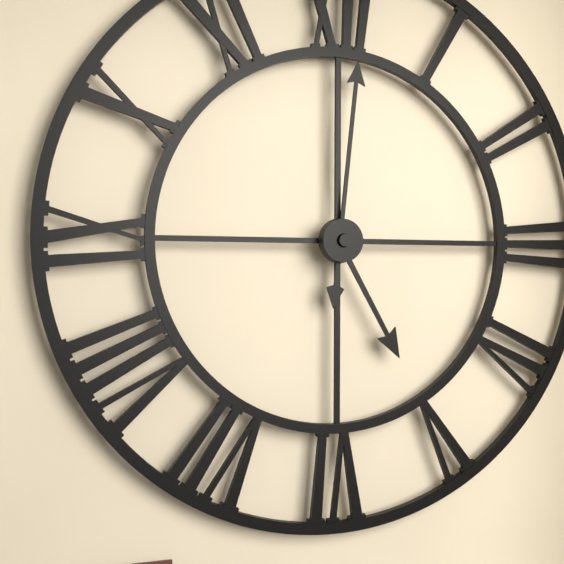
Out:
5,01
